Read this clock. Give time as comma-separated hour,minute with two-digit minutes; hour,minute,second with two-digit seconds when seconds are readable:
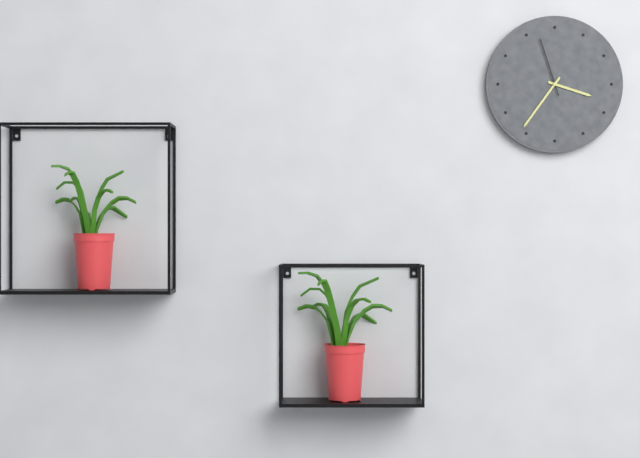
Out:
3,36,57
